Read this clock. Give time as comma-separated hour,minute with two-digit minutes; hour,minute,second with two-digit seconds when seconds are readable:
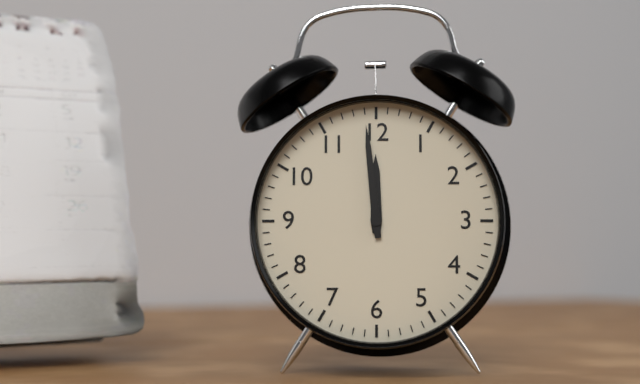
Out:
11,59
